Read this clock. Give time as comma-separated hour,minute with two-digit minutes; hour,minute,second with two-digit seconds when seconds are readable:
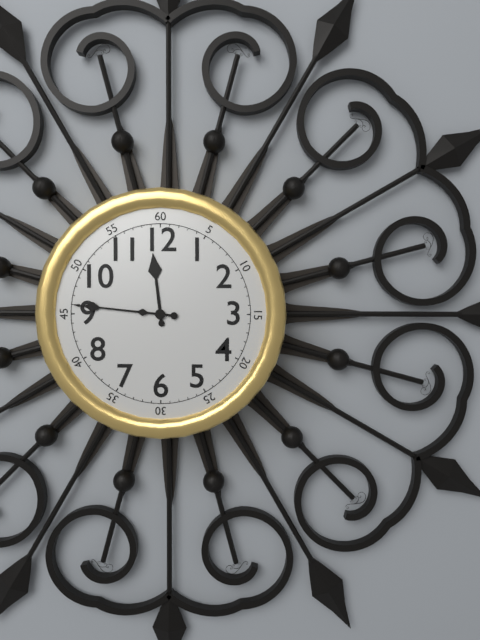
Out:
11,46
